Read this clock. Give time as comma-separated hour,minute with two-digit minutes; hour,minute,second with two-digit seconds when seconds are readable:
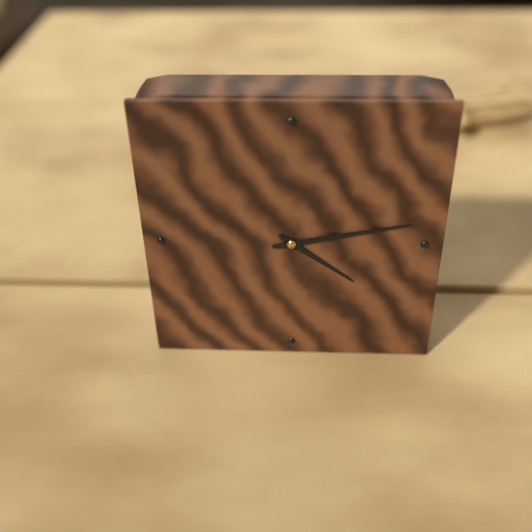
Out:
4,13
